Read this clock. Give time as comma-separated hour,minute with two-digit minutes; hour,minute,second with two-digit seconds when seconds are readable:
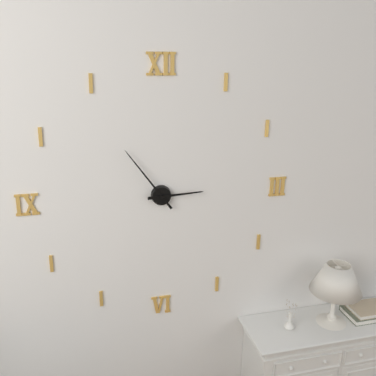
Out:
2,54
